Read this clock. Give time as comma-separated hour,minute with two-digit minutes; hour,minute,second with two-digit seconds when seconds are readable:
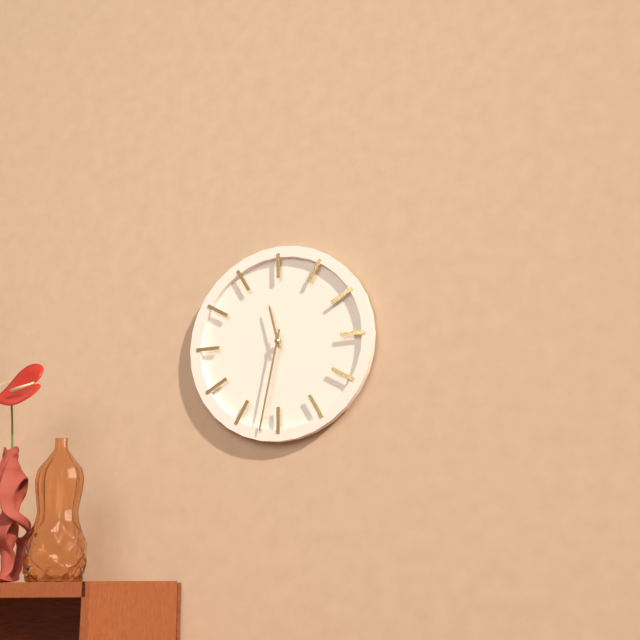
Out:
11,32
